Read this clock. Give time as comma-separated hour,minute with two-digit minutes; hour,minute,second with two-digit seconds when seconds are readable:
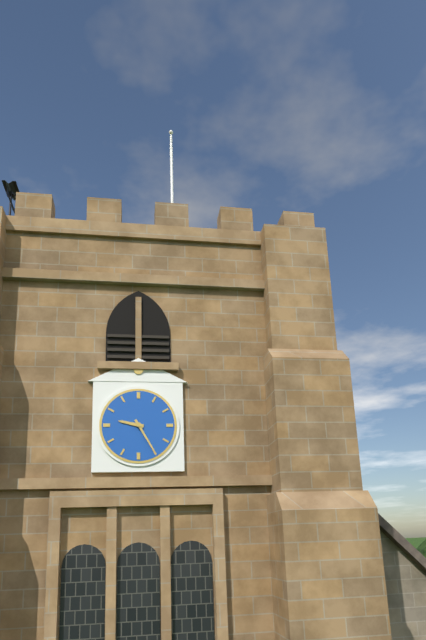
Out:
9,25
